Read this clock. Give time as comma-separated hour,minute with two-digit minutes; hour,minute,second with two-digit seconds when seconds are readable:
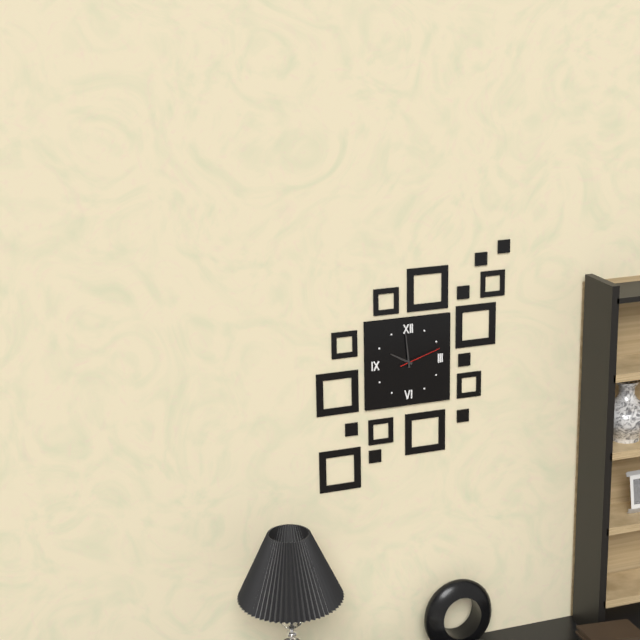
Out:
9,59
